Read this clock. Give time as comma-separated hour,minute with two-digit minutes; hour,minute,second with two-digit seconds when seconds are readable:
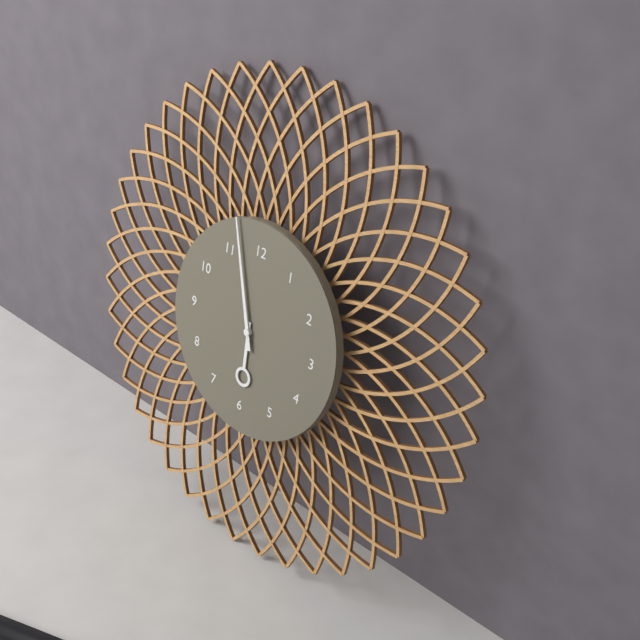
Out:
5,57
